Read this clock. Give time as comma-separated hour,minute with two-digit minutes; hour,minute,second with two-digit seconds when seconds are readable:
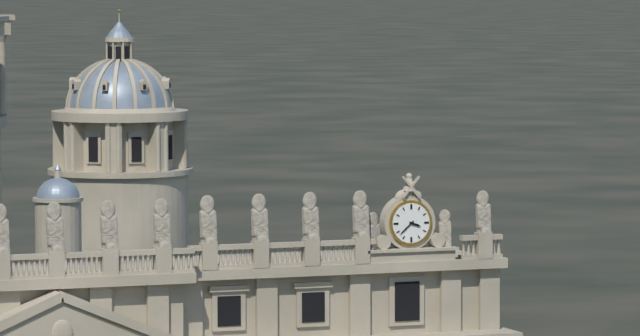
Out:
3,38
